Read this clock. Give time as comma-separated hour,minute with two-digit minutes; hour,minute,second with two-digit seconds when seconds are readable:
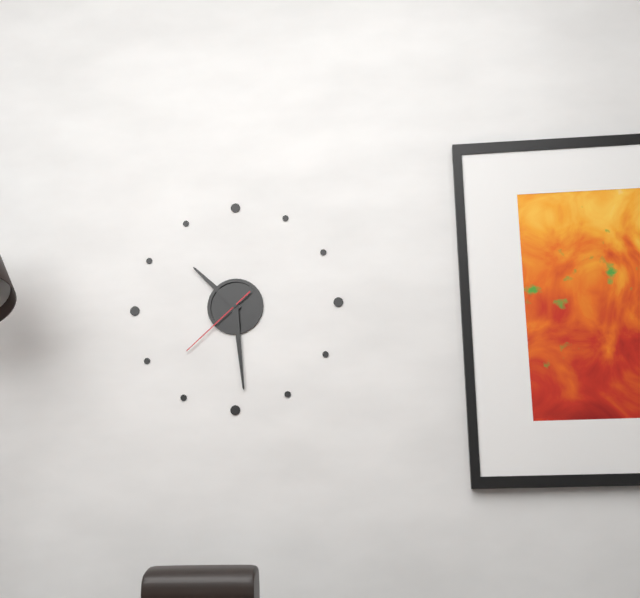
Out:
10,29,38
